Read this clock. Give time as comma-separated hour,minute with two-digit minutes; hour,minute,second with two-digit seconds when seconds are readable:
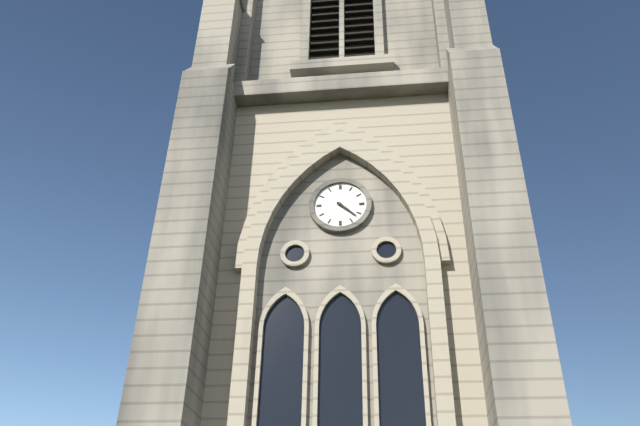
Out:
4,22
